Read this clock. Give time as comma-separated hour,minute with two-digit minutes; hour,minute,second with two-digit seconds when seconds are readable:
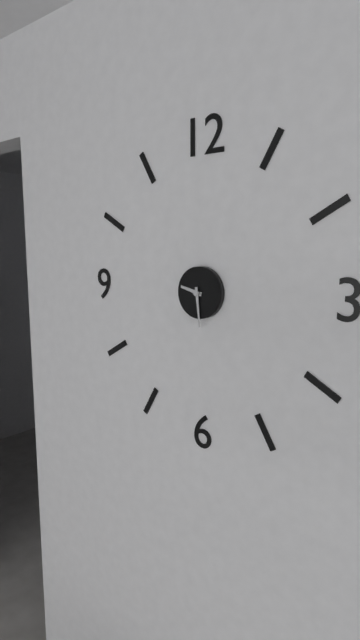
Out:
9,29
